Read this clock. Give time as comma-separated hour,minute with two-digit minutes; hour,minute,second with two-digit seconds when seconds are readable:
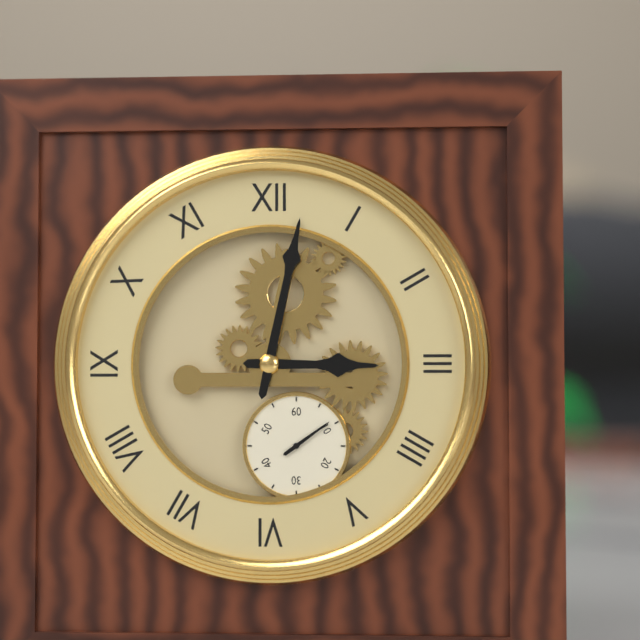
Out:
3,02,09
